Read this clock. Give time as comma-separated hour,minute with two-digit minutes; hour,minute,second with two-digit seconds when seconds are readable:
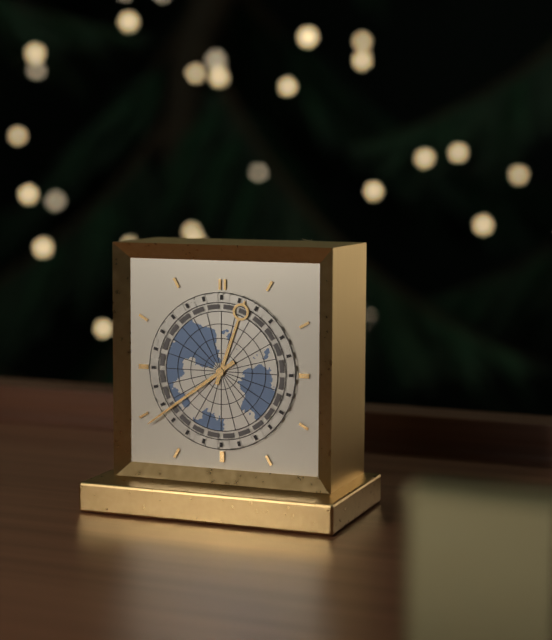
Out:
12,39
